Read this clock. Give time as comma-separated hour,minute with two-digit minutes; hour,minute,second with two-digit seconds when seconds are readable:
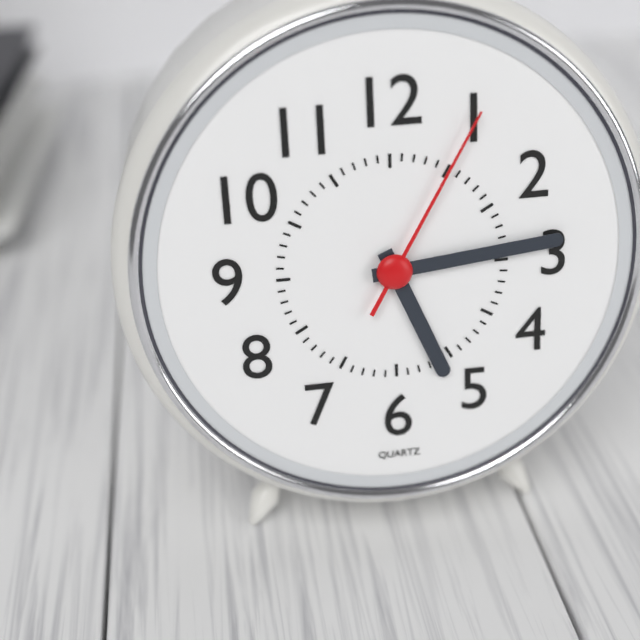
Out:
5,14,05
